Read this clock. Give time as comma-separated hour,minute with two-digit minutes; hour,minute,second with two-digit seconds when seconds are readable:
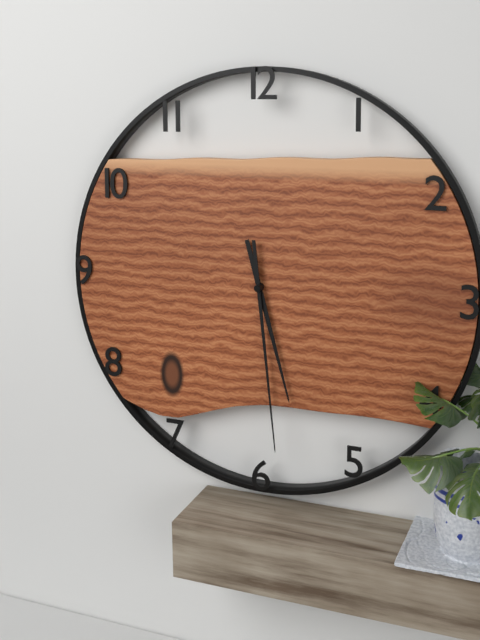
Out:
5,29
